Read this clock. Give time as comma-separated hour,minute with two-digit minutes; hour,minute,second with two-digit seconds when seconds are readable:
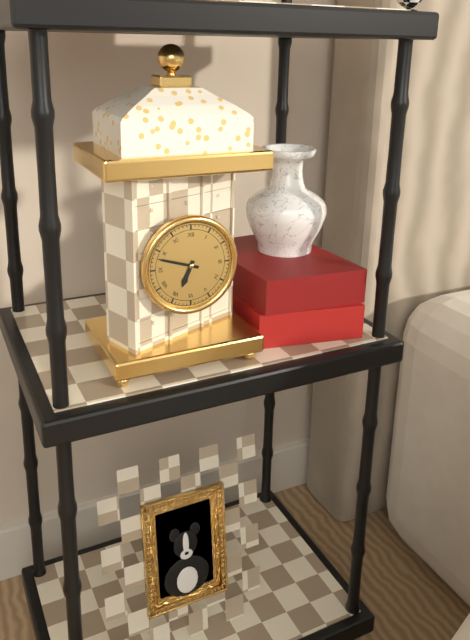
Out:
6,48
